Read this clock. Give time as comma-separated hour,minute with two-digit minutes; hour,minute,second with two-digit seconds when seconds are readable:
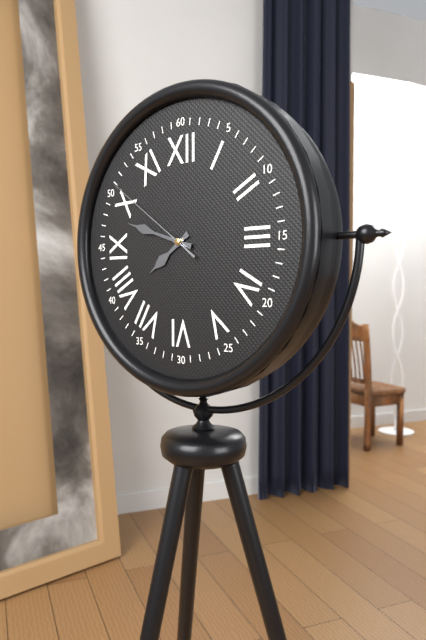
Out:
7,48,51
